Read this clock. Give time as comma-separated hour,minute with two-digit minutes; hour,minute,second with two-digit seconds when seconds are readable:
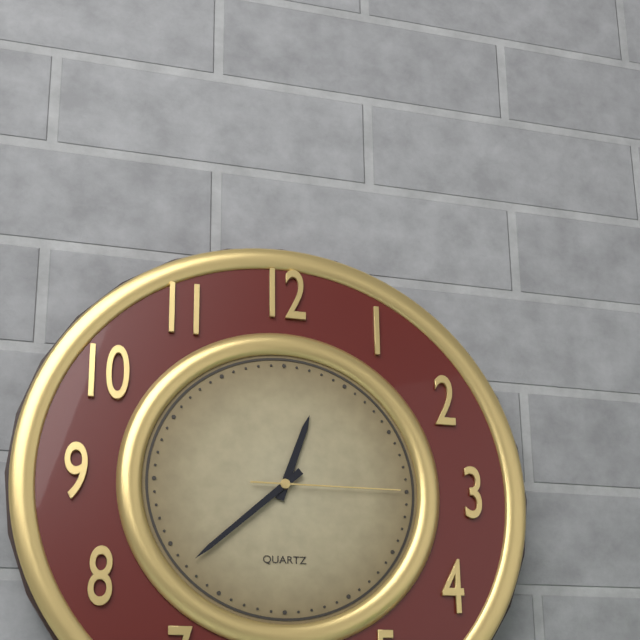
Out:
12,38,15
